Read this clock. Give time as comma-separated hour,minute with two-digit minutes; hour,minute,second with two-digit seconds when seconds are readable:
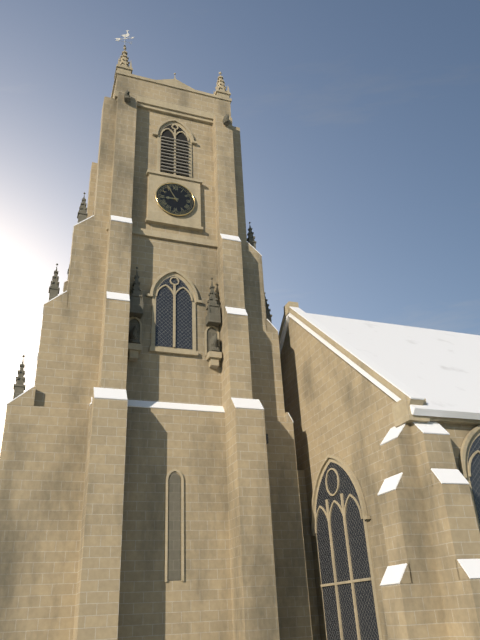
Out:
8,55
